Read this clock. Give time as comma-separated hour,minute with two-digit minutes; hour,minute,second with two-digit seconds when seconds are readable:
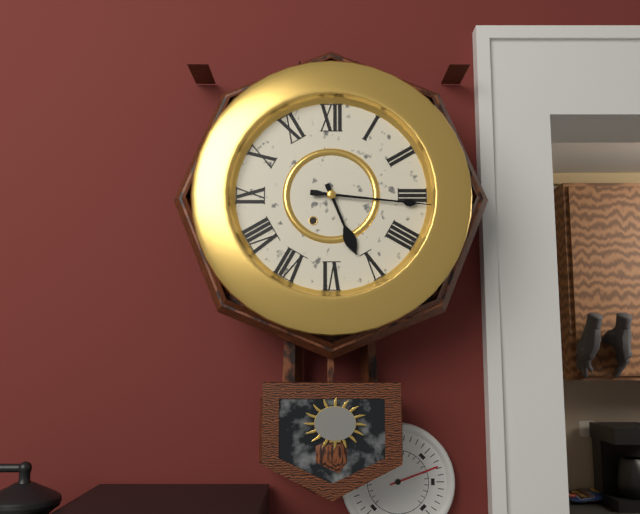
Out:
5,16
